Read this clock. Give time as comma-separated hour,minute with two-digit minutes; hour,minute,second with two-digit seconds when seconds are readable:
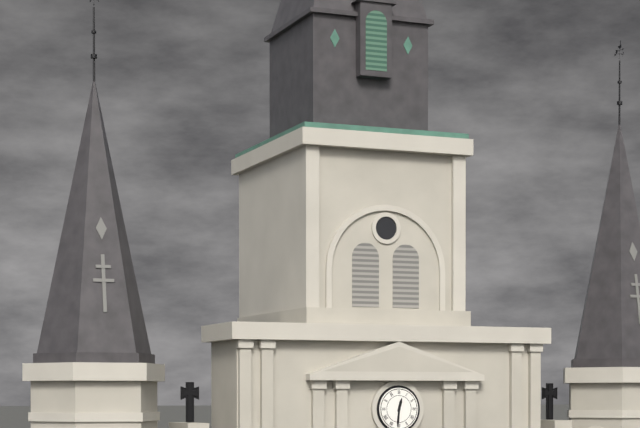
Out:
12,31
